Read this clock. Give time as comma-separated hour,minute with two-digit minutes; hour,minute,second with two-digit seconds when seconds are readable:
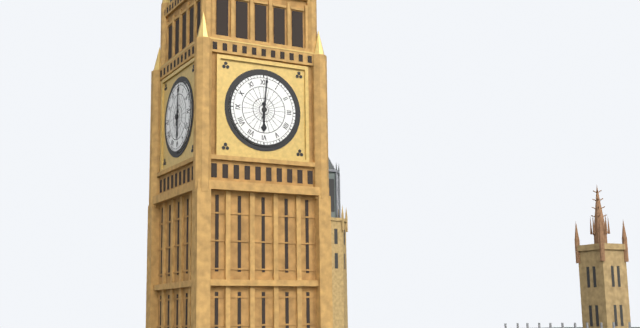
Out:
6,01
